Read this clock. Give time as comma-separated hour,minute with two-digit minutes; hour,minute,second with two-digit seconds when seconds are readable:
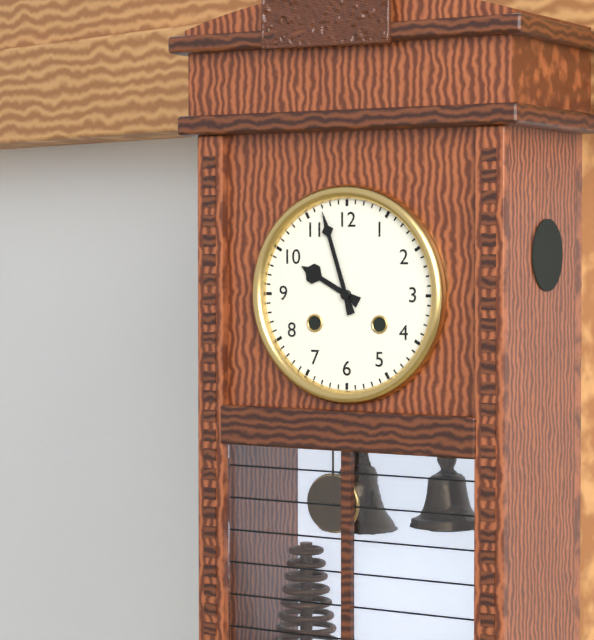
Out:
9,57
